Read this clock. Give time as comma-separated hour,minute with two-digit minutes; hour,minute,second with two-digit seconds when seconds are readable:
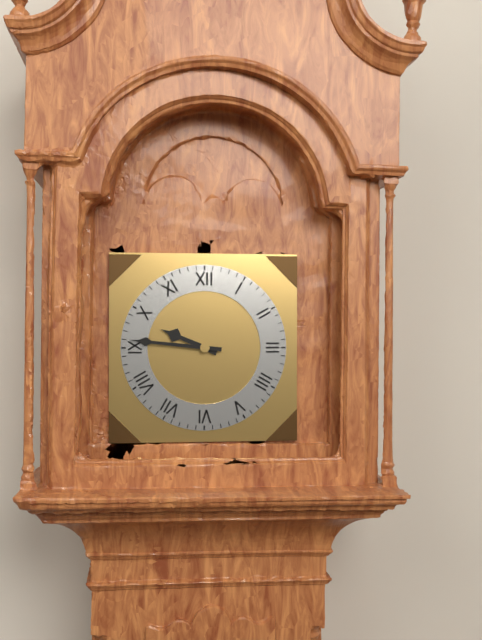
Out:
9,46
